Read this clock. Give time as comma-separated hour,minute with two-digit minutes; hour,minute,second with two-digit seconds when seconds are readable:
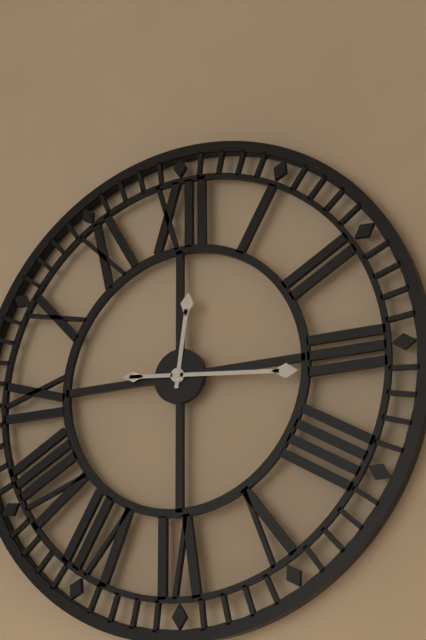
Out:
12,16
